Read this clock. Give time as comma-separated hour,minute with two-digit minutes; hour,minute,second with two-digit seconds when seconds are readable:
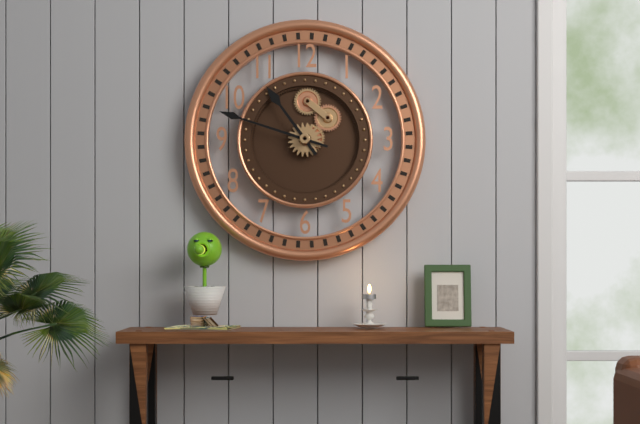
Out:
10,48
